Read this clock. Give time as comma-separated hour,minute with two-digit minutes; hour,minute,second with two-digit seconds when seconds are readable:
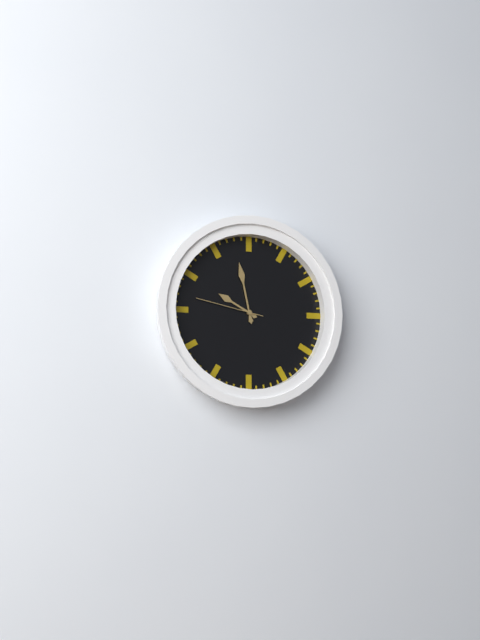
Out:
9,58,47
